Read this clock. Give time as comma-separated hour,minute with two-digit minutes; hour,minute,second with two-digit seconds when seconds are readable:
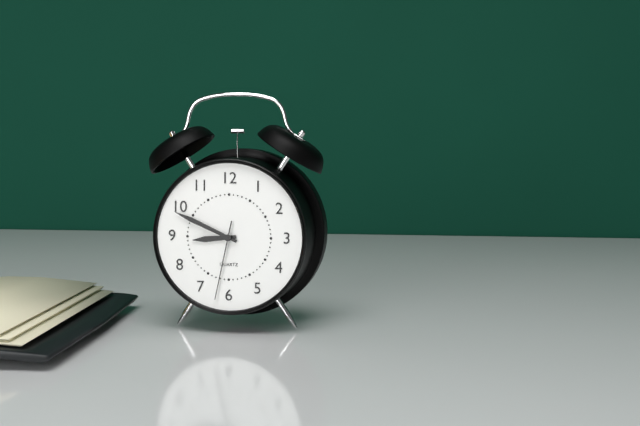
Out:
8,49,32
